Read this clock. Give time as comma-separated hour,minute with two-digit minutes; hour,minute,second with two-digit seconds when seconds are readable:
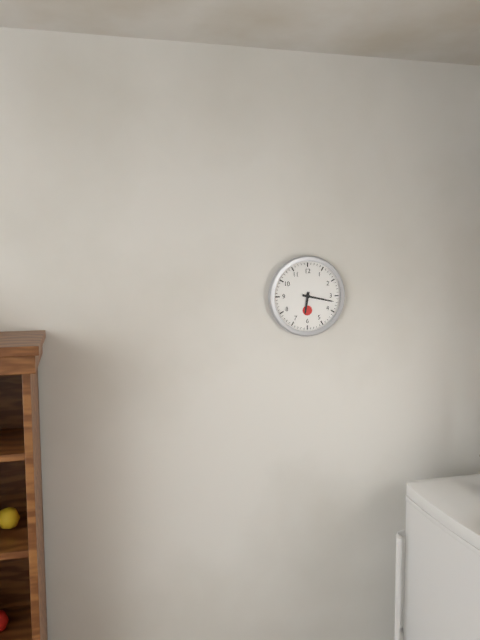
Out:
6,17
